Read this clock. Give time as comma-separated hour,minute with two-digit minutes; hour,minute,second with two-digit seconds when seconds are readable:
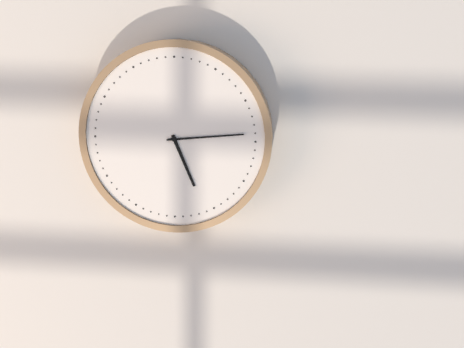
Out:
5,14
